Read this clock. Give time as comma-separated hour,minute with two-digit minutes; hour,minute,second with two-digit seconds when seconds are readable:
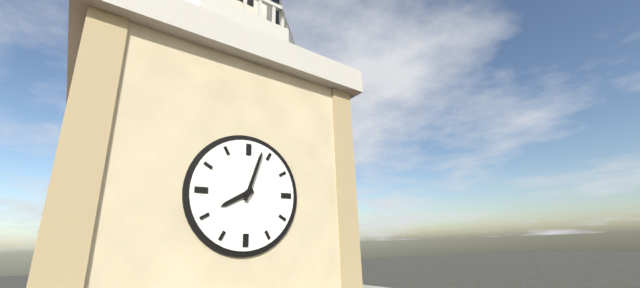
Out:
8,03
